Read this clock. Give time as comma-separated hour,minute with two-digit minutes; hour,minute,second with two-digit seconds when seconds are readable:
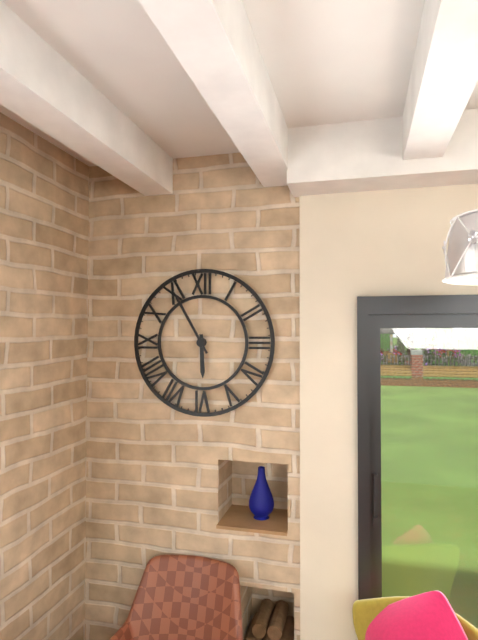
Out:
5,55
